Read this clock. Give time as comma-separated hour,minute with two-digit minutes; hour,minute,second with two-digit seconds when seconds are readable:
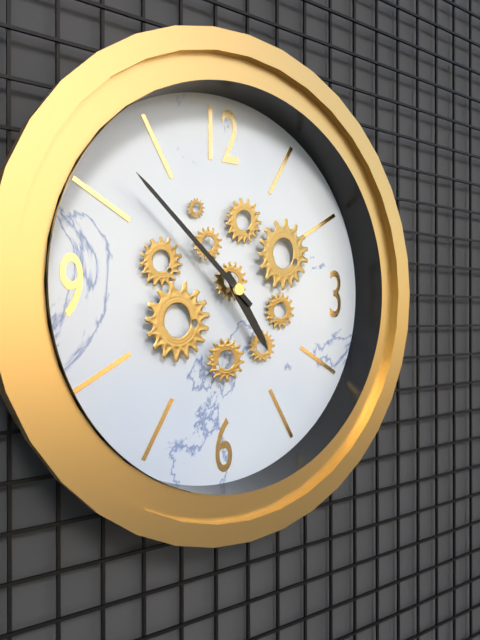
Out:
4,52
